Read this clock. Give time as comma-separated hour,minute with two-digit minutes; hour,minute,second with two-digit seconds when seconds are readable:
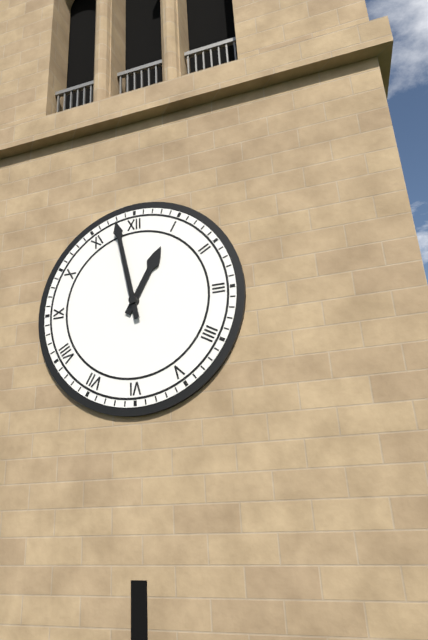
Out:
12,58
